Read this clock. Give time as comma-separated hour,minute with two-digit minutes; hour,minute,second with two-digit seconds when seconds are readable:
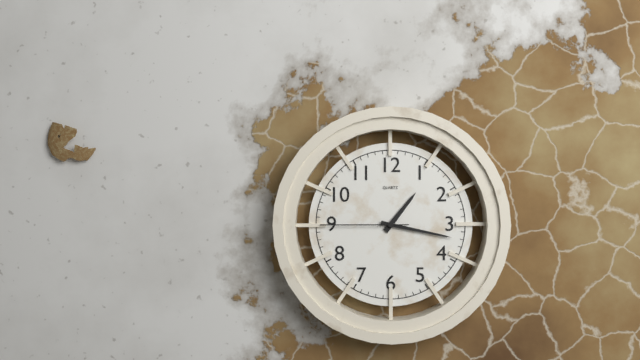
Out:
1,17,45
